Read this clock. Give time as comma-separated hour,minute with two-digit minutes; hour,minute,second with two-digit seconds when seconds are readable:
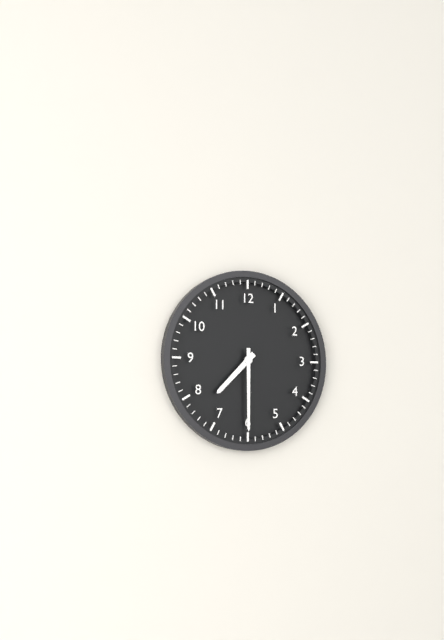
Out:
7,30
